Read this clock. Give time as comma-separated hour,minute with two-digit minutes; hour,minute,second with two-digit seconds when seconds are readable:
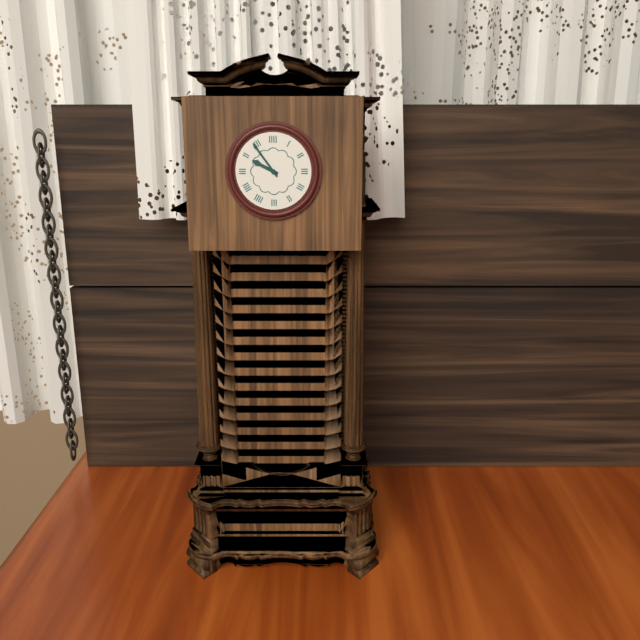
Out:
9,54
